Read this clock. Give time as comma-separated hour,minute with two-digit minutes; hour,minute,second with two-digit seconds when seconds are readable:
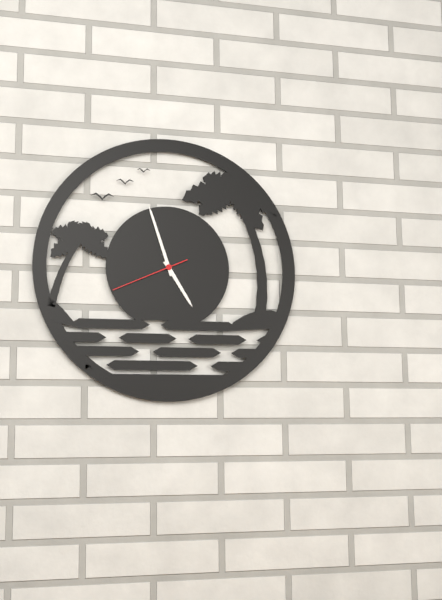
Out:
4,57,41
